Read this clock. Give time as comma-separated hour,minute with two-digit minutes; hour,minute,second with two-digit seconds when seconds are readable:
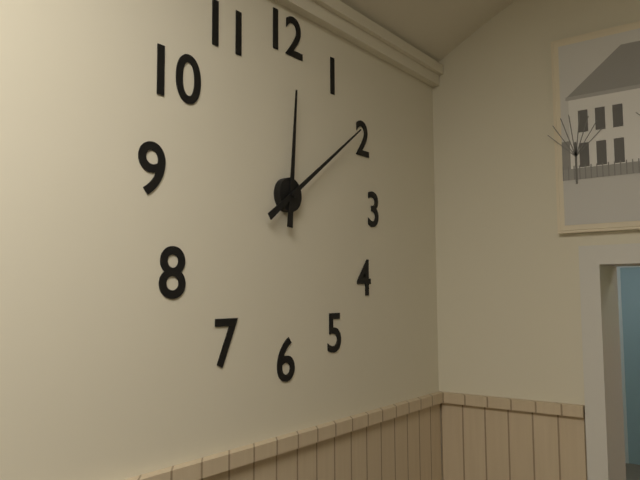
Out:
12,09
